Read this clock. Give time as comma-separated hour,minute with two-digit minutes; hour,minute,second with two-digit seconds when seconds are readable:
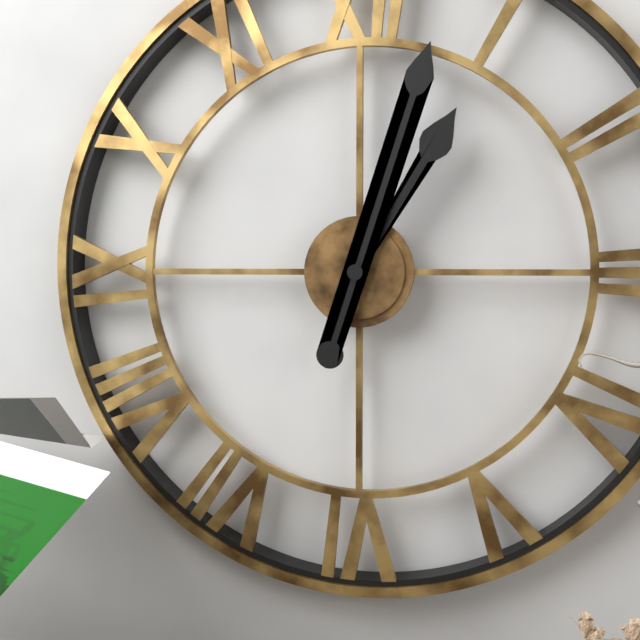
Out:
1,03
